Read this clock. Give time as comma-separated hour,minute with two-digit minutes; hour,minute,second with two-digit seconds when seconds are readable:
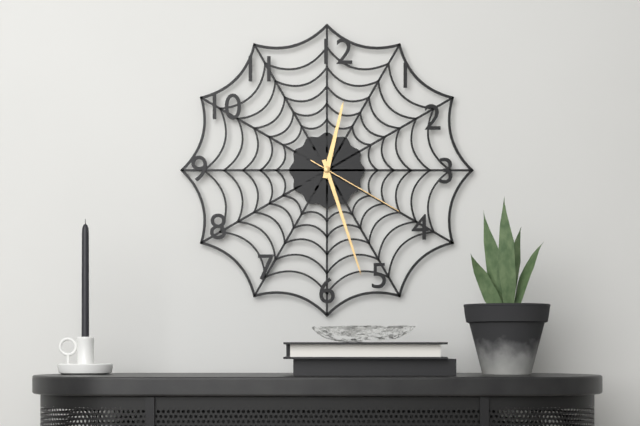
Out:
12,27,20
